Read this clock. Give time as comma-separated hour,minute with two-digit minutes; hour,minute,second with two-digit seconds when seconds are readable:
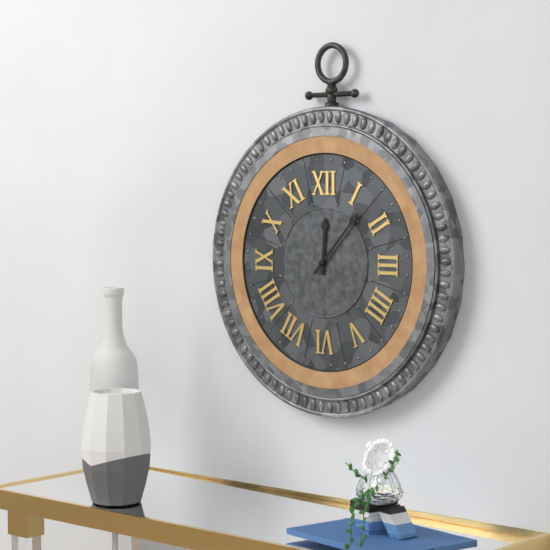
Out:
12,07
